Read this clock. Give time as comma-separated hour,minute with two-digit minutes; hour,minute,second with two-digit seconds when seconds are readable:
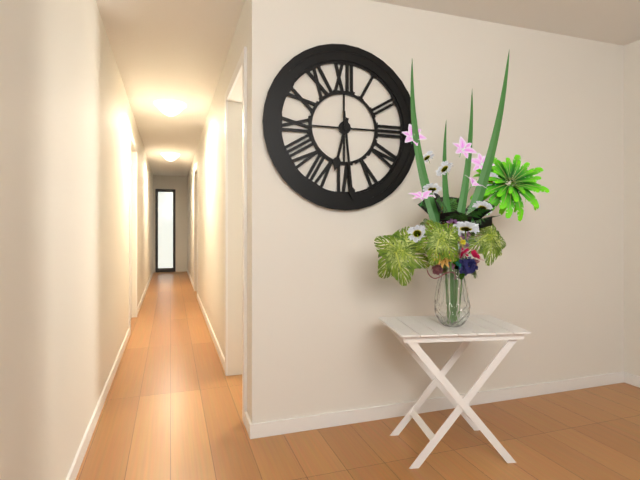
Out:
6,29
